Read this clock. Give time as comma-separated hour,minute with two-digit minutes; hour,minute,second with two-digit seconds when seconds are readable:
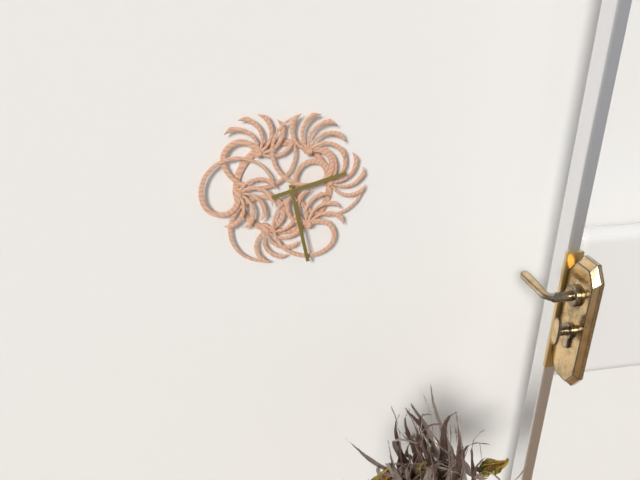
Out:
2,28
